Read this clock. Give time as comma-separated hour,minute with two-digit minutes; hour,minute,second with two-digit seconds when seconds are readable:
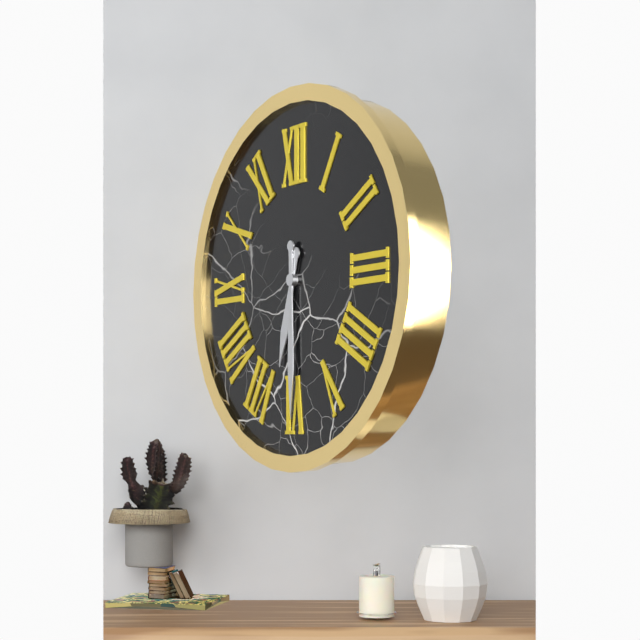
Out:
6,30
